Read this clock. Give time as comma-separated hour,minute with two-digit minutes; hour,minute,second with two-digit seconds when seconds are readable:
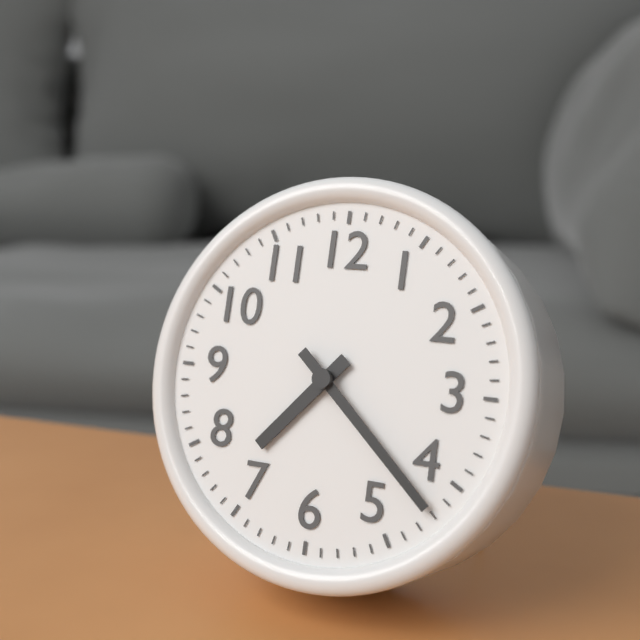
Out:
7,22
